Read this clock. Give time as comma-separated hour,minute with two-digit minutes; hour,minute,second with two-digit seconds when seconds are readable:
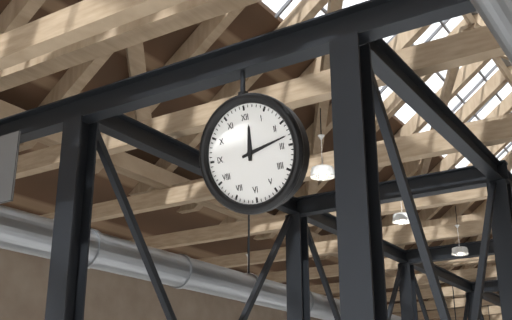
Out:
12,13
